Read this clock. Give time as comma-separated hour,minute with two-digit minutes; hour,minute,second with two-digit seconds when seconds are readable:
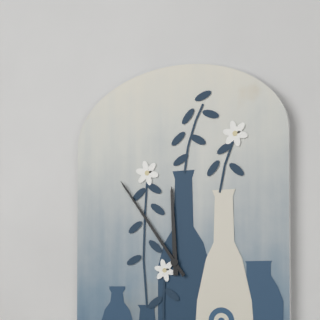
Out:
11,54
